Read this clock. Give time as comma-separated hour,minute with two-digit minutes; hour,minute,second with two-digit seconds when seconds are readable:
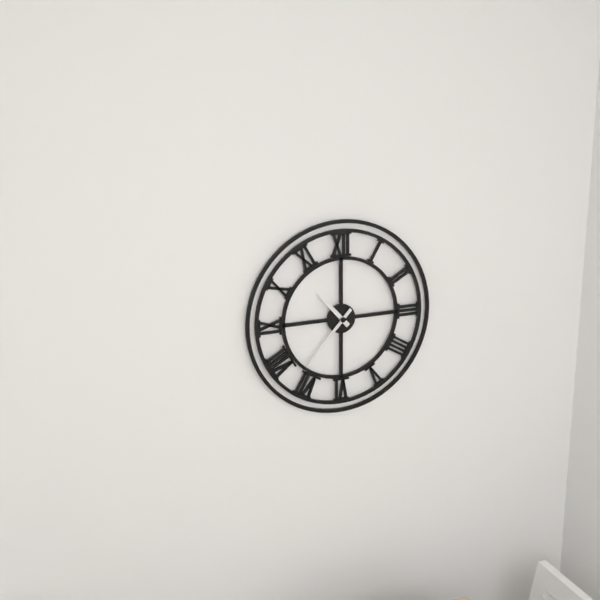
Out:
10,37
